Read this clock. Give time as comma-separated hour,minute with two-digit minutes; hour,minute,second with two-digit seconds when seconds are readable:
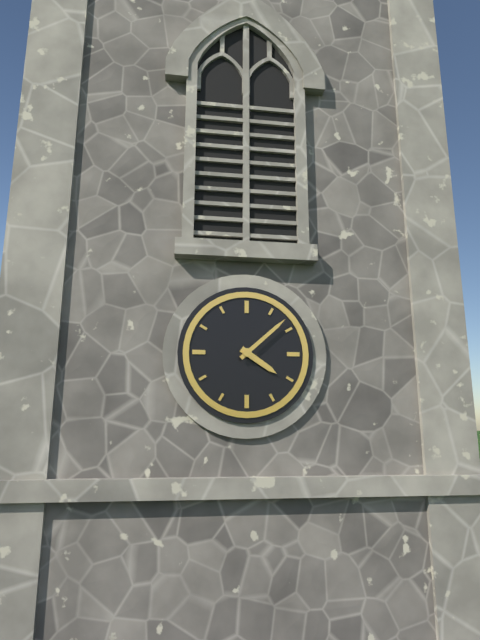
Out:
4,08
